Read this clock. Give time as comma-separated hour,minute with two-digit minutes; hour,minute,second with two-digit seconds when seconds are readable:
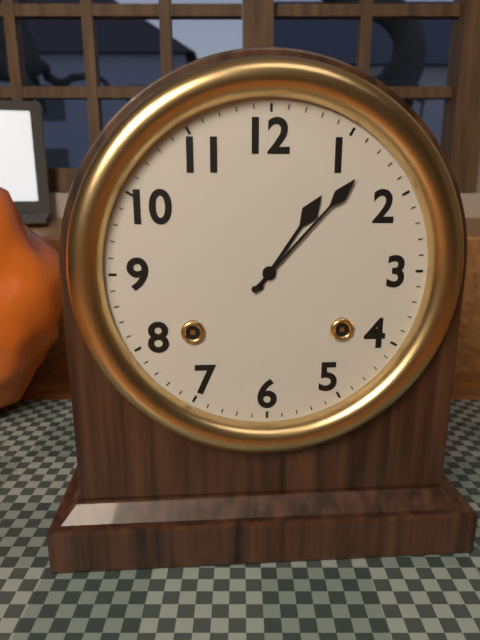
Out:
1,07
